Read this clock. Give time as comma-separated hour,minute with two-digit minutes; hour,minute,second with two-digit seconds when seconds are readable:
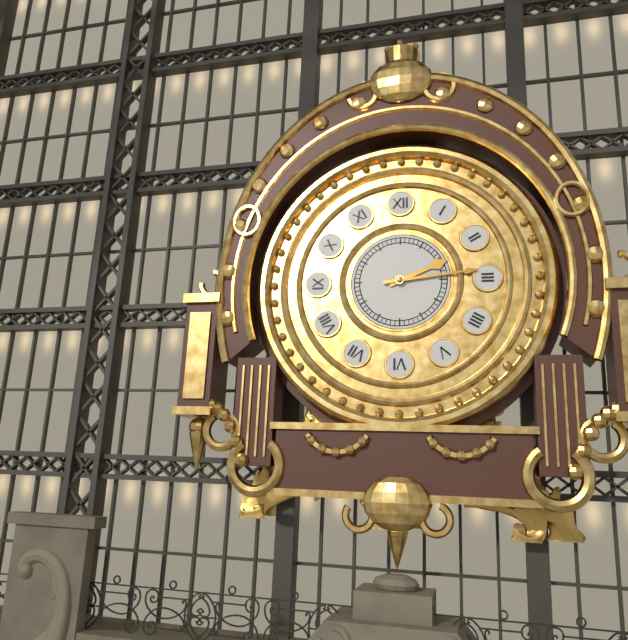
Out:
2,14
